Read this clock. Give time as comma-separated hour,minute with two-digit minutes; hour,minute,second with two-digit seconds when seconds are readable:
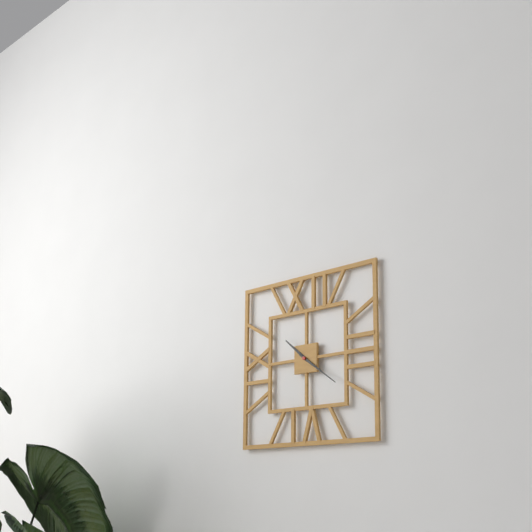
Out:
10,21
